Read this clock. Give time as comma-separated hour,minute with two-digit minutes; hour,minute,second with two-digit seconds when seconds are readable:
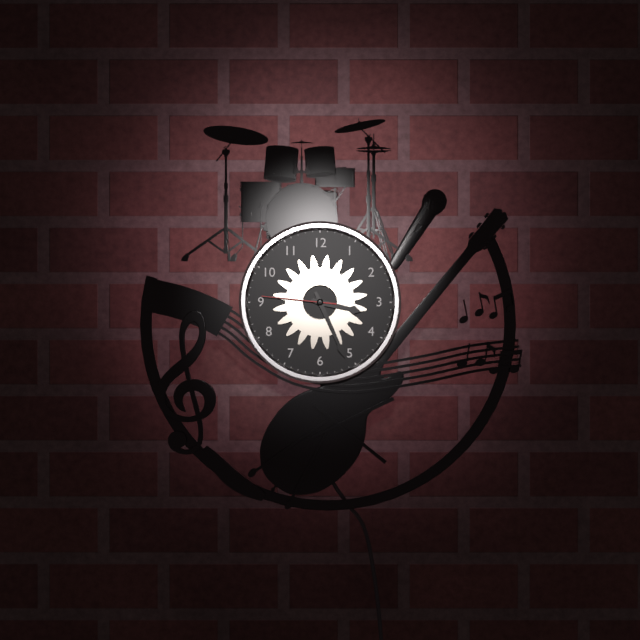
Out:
3,26,46
